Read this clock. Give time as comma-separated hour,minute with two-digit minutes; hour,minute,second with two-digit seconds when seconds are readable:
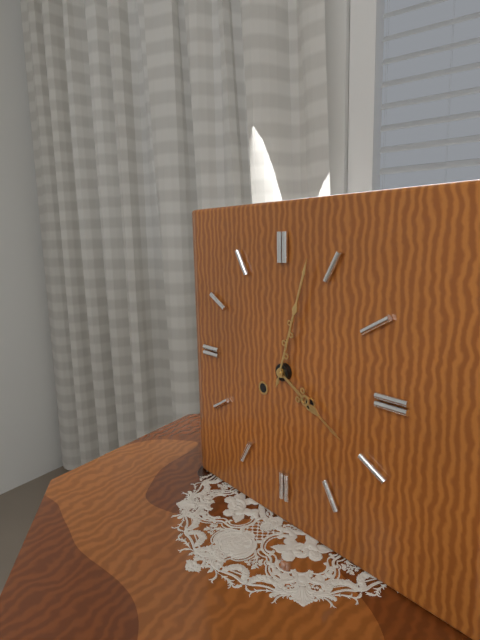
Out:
4,03
